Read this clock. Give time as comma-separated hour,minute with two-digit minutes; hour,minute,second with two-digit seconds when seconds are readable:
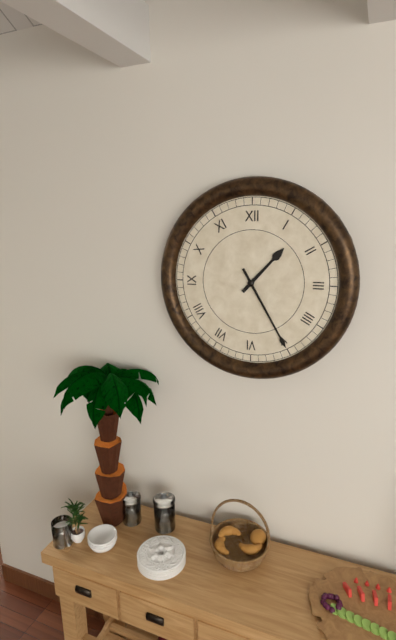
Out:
1,25
